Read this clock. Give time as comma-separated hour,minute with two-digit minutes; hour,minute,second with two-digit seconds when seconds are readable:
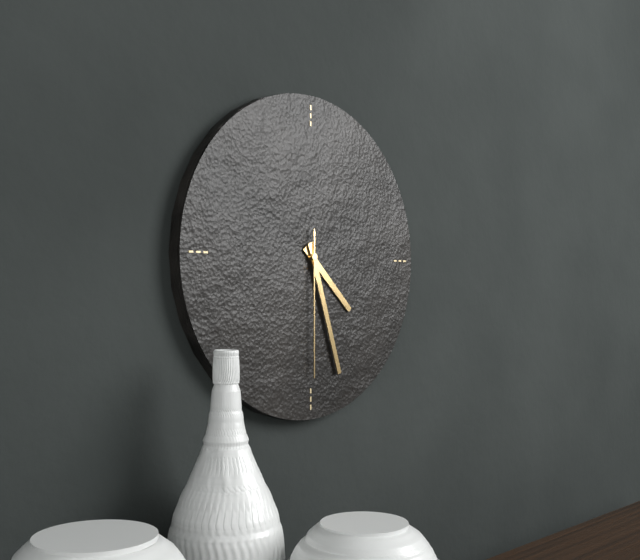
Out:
4,27,30
